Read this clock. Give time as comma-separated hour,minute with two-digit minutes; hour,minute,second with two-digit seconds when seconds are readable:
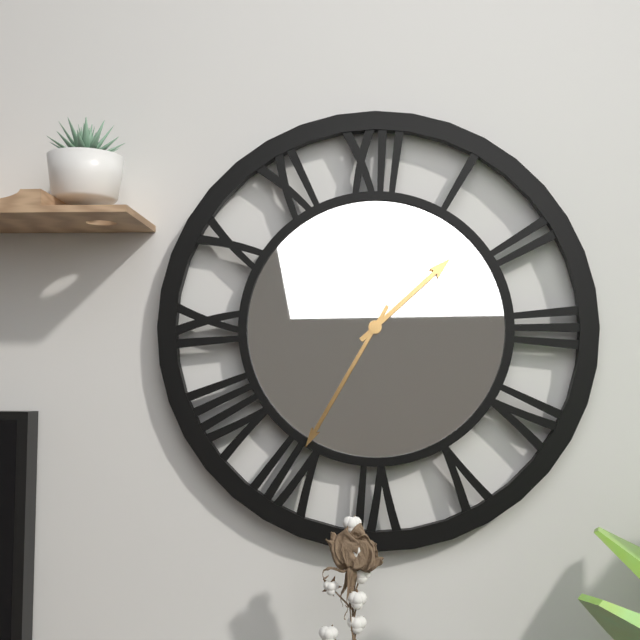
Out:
1,35
